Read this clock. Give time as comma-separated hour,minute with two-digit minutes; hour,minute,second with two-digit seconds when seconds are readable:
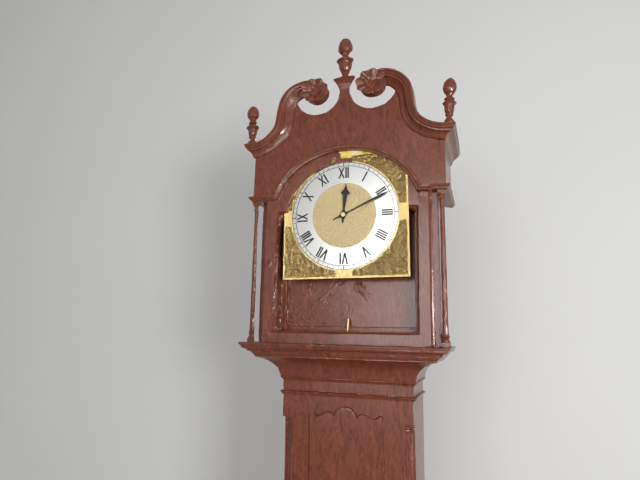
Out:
12,11
